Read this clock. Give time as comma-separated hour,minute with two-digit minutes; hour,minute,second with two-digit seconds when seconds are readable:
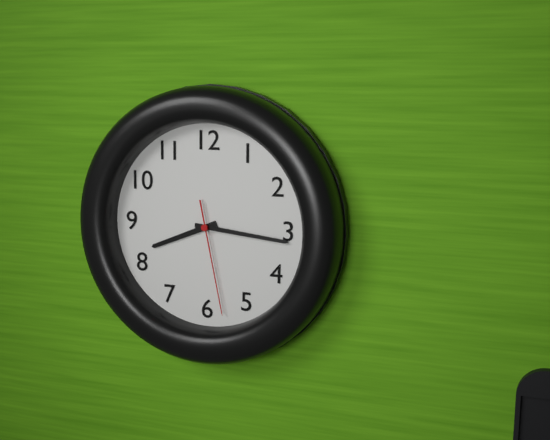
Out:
8,16,28
